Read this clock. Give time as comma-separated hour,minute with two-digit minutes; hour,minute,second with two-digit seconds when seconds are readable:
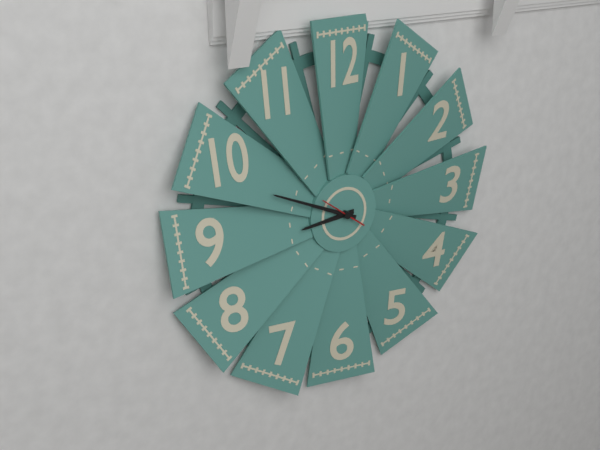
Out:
8,49
